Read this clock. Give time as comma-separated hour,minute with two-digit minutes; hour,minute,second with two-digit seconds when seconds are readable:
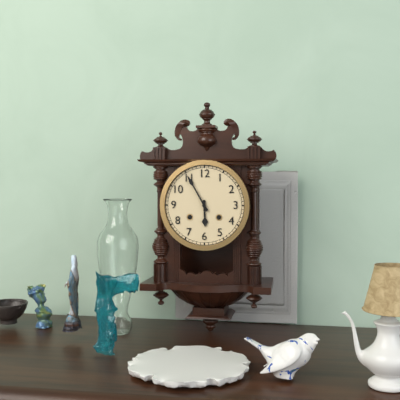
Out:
5,55
